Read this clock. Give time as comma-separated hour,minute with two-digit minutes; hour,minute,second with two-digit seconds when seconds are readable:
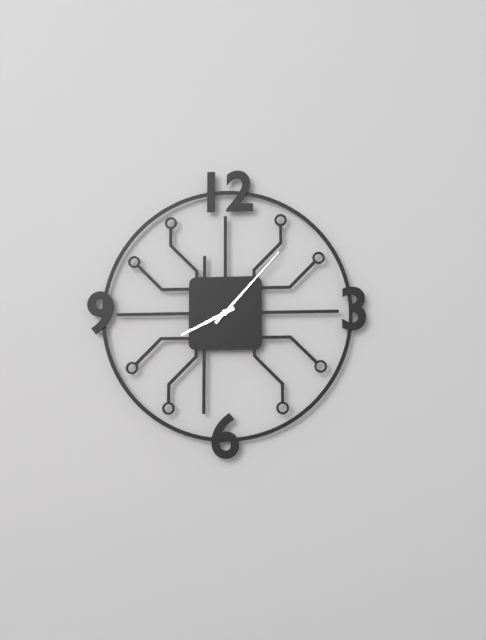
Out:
8,07
